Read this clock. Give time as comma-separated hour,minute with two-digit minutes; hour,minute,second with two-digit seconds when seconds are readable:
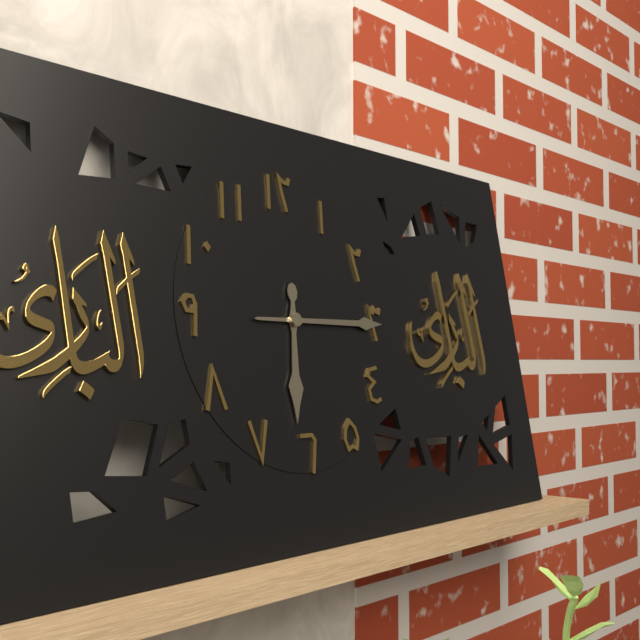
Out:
6,15
